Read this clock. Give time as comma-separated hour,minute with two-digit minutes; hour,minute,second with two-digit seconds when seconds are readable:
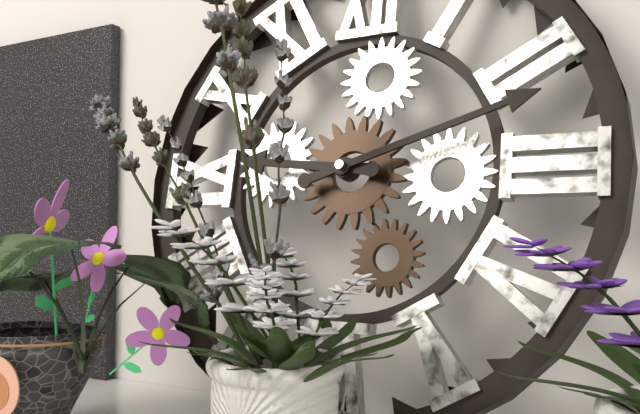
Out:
9,12
